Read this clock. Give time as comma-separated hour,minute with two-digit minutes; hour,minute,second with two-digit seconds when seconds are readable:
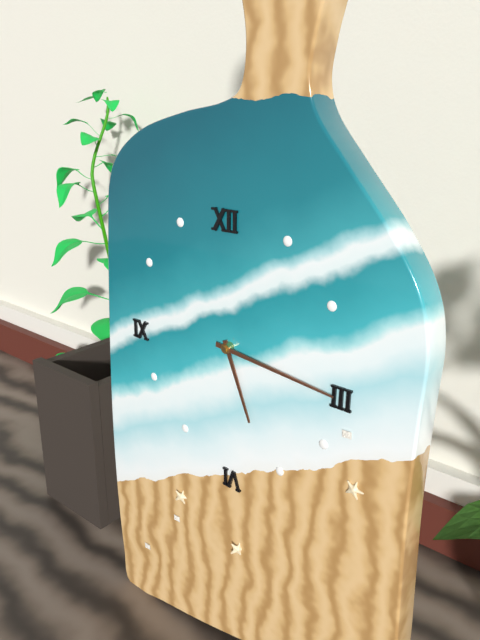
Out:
5,16
